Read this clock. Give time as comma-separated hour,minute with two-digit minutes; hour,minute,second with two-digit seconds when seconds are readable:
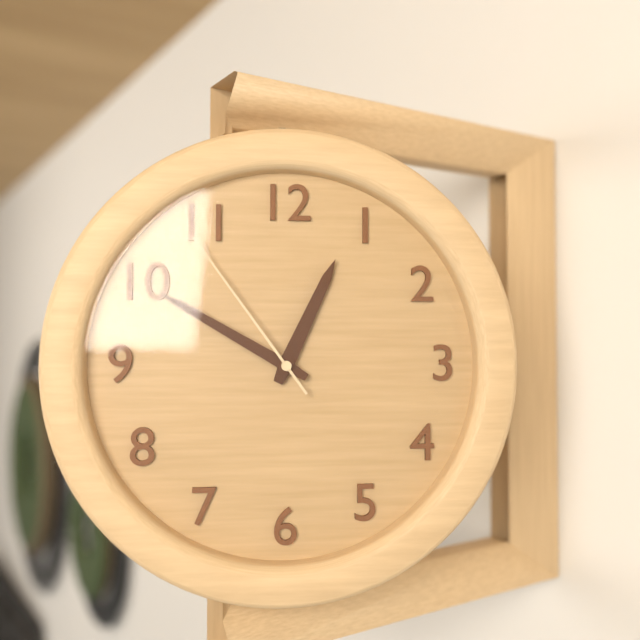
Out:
12,50,54
